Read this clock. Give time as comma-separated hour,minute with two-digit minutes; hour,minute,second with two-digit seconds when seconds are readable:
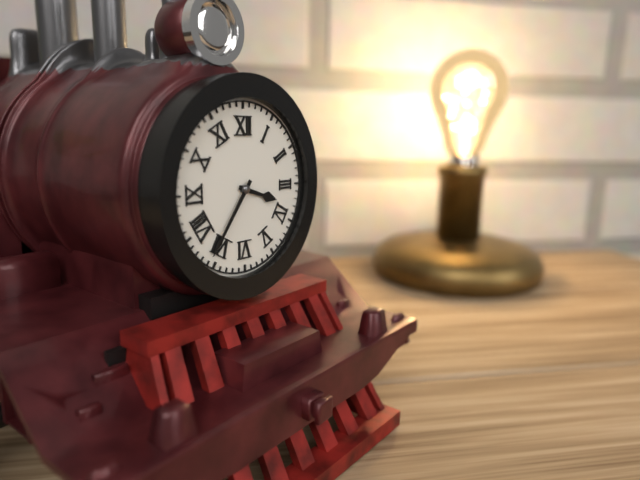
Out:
3,36
